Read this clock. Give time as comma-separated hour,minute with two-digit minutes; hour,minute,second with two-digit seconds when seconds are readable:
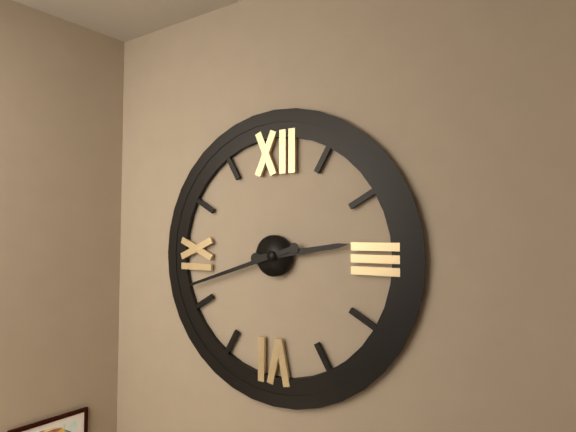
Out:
2,42
